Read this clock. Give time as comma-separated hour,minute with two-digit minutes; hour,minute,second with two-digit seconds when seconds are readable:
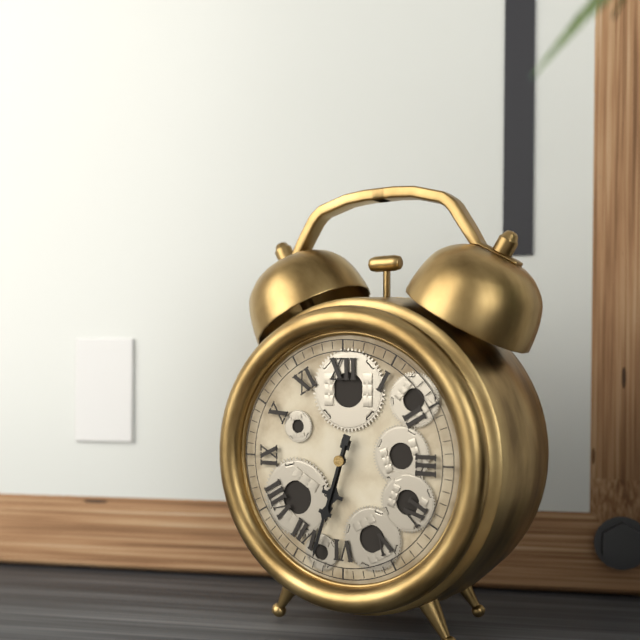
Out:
6,33
